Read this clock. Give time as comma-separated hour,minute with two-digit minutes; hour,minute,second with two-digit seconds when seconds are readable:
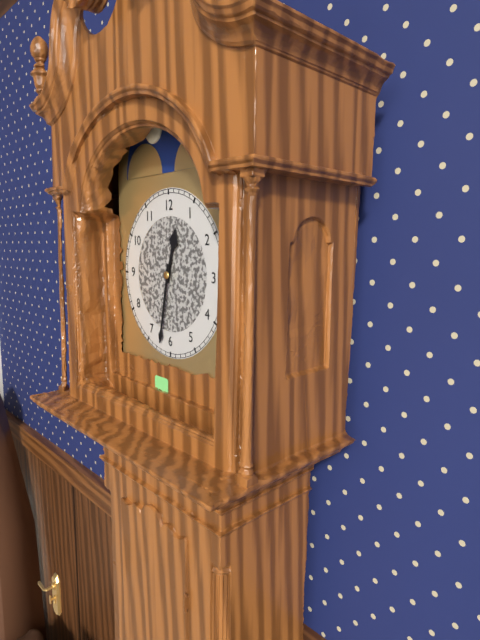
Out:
12,32
